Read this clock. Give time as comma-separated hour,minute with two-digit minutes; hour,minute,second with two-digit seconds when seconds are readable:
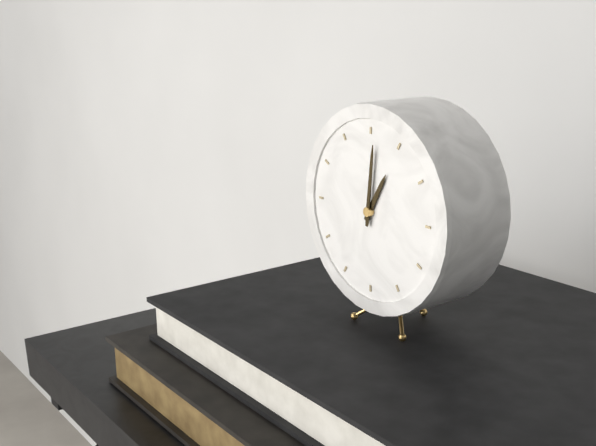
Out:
1,01
